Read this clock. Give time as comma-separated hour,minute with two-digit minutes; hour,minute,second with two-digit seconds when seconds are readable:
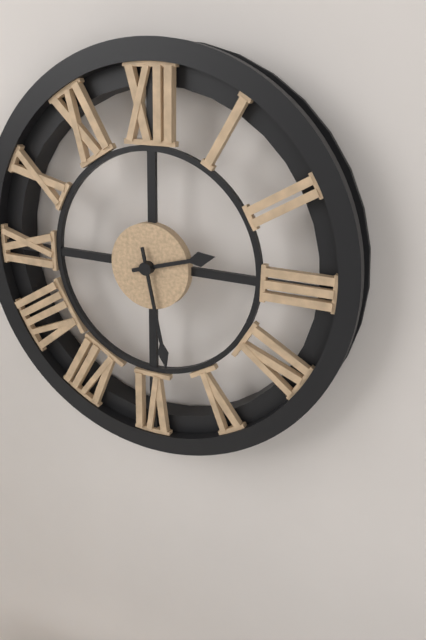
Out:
2,28
